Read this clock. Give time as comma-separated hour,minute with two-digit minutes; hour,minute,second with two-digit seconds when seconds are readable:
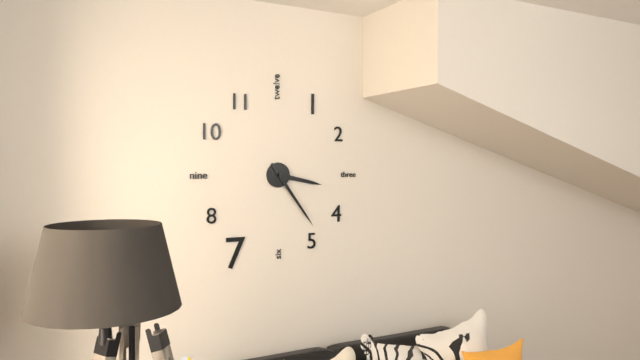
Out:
3,24
